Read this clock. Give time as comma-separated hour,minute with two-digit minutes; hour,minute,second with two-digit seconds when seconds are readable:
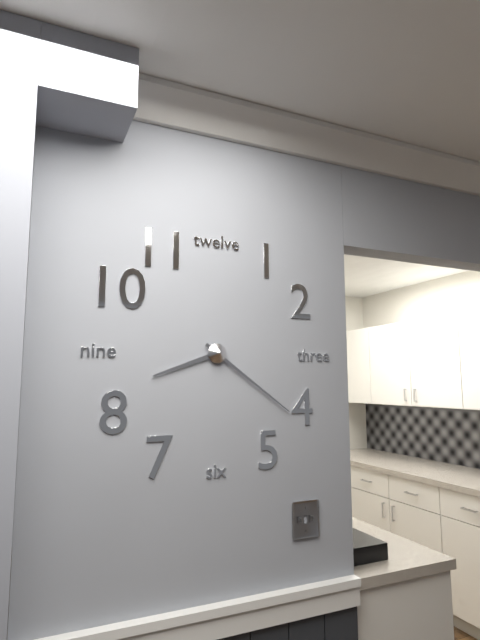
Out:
8,21
